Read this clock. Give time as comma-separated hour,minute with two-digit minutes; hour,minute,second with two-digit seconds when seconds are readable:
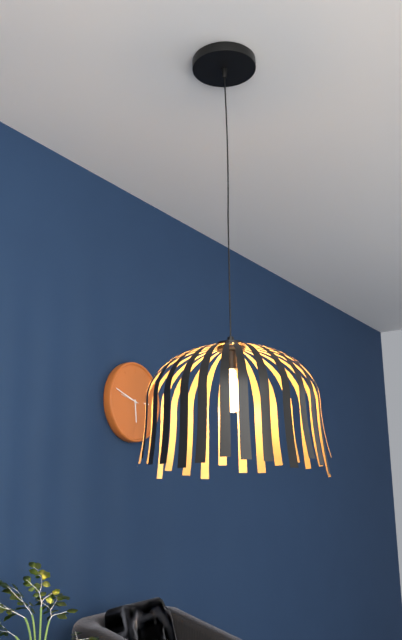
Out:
5,48
